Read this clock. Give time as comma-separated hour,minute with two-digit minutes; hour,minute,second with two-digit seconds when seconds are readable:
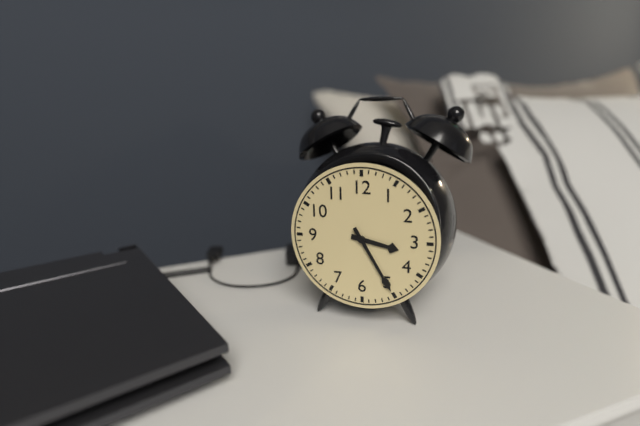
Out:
3,25
